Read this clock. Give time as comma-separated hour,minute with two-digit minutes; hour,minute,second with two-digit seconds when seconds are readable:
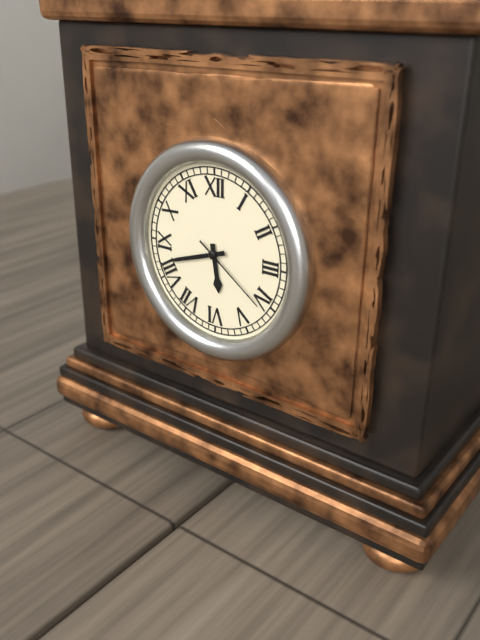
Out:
5,42,21
